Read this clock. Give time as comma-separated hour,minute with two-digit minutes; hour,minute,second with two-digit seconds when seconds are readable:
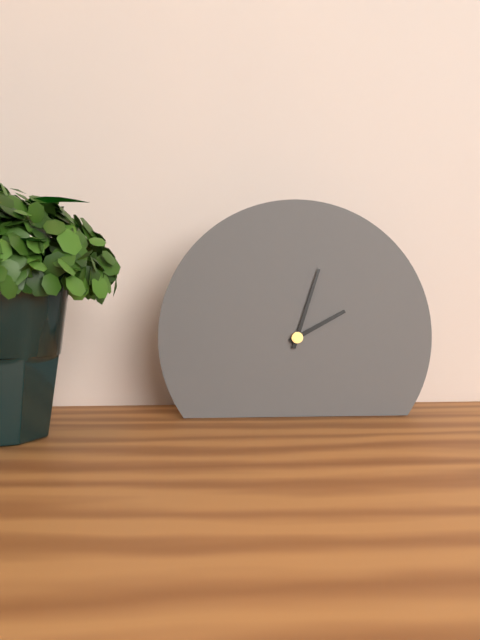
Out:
2,03
